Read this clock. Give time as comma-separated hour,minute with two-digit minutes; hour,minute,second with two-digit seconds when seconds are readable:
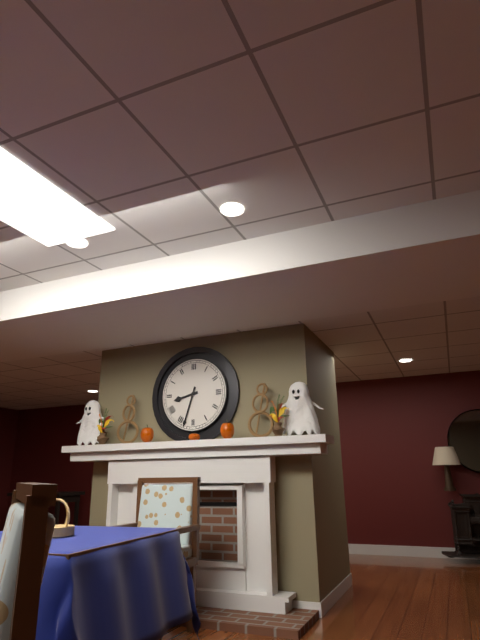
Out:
8,33
